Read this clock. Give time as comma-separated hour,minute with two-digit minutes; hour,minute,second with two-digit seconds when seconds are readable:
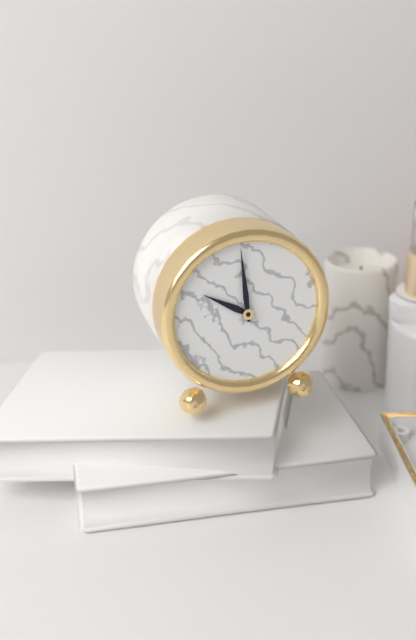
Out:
9,59
